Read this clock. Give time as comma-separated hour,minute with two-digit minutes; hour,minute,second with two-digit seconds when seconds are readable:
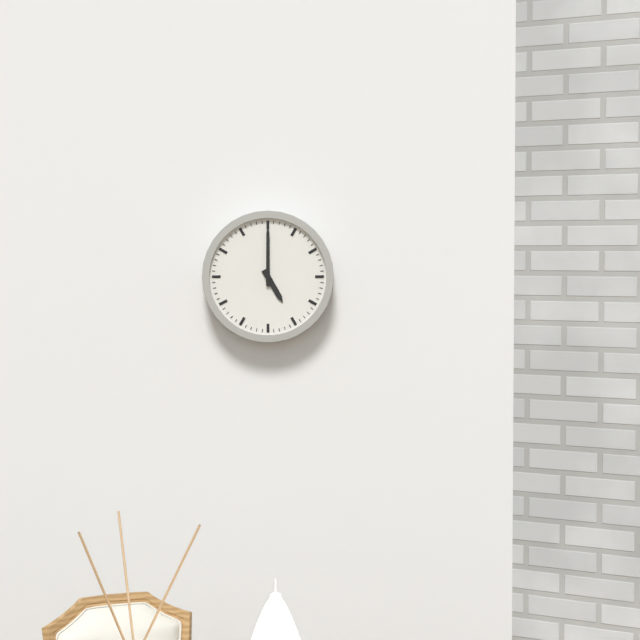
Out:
5,00
